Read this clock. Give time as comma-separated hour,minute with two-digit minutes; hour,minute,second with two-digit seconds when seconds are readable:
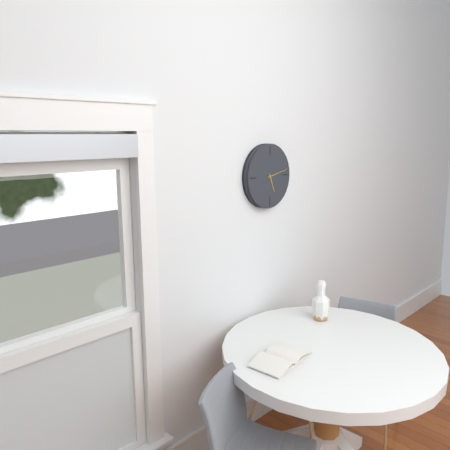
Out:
5,13
